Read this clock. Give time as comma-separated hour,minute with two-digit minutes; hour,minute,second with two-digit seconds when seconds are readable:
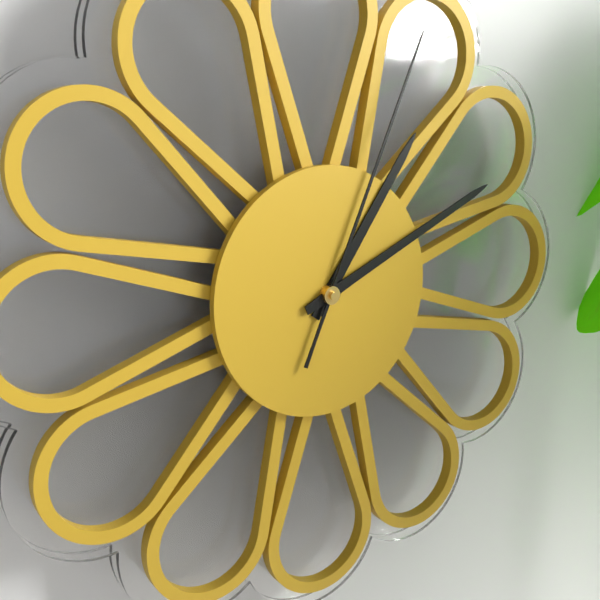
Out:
1,11,04
